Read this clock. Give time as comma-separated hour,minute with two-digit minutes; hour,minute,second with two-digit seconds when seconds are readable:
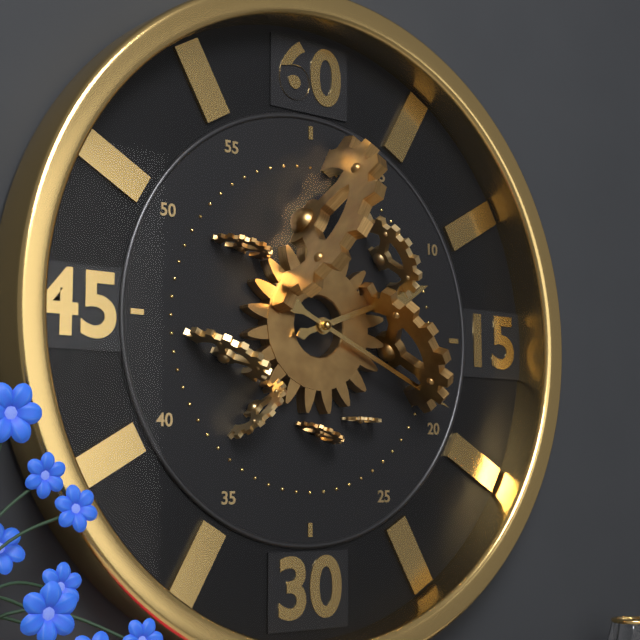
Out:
2,19
